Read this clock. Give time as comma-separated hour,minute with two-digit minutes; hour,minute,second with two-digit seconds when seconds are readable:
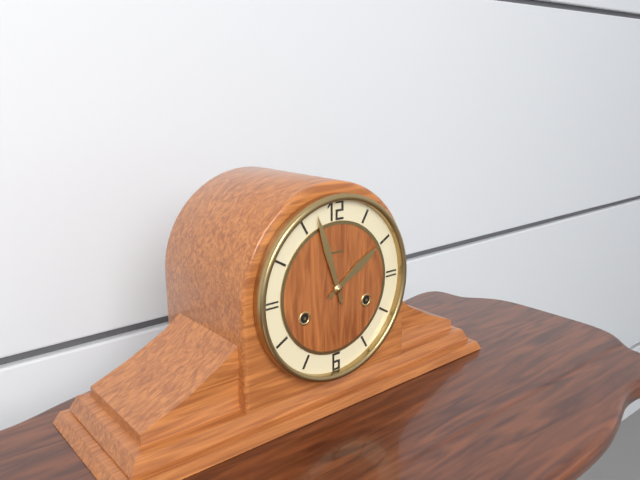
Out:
1,57
